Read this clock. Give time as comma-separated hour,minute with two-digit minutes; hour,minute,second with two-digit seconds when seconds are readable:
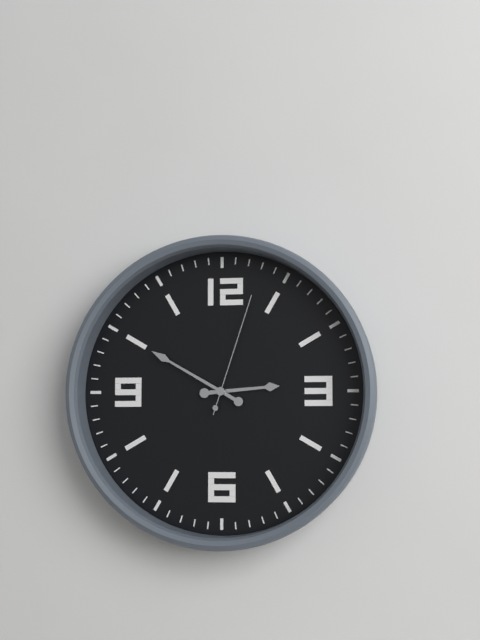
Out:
2,50,03
